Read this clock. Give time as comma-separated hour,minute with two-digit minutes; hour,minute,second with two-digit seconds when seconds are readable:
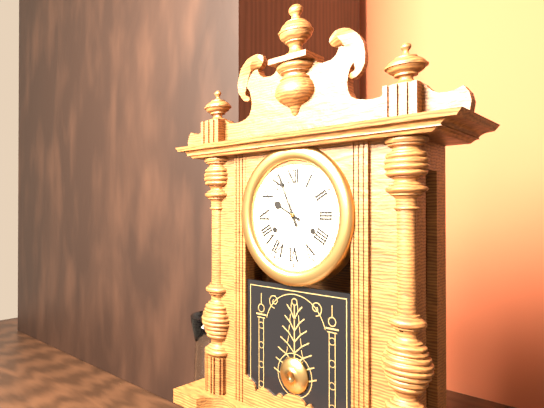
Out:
9,56
